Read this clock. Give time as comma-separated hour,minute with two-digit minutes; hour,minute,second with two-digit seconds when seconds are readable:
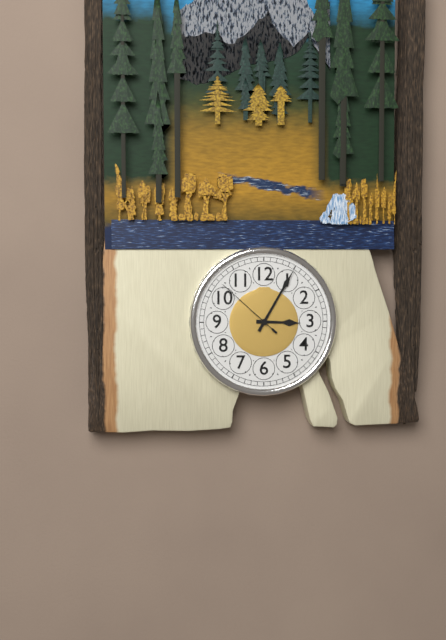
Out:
3,05,52
